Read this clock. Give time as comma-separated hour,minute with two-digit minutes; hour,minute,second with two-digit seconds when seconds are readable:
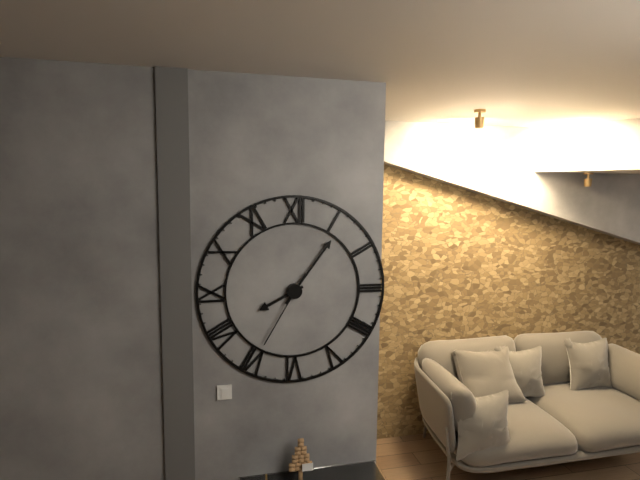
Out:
8,06,35
